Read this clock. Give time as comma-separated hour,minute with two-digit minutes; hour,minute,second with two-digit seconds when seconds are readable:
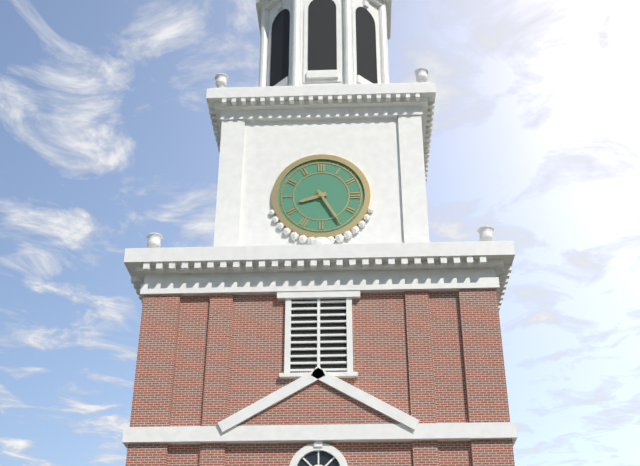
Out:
8,25
